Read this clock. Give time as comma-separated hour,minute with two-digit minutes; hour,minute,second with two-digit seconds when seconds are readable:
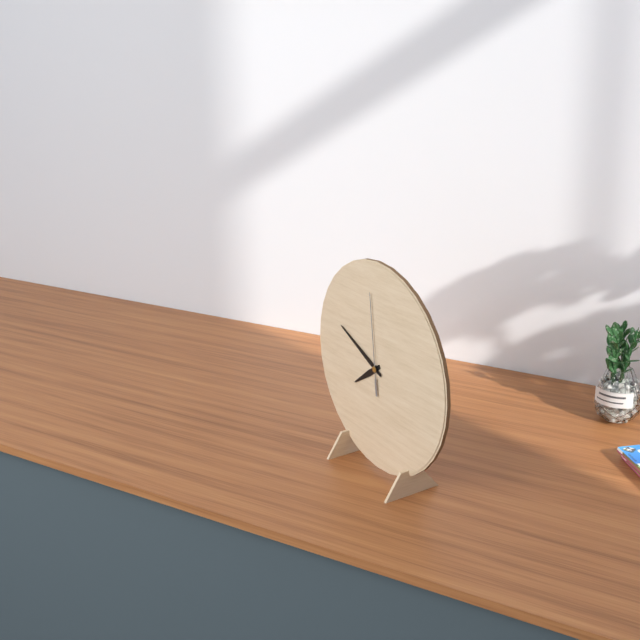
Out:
7,49,59
